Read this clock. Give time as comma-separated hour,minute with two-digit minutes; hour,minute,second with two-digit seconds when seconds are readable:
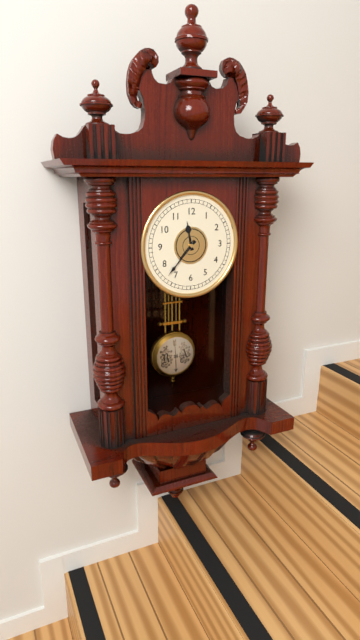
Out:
11,37
